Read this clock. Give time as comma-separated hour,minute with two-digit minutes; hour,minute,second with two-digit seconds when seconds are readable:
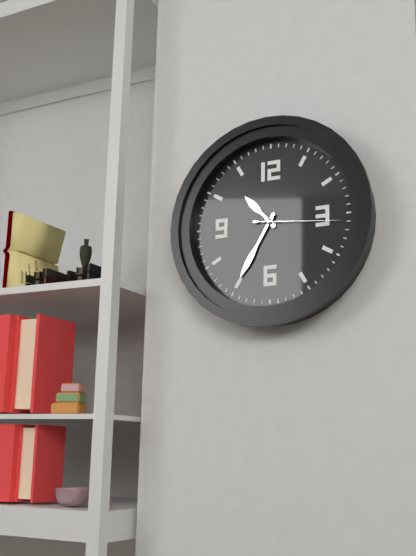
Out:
10,35,16
